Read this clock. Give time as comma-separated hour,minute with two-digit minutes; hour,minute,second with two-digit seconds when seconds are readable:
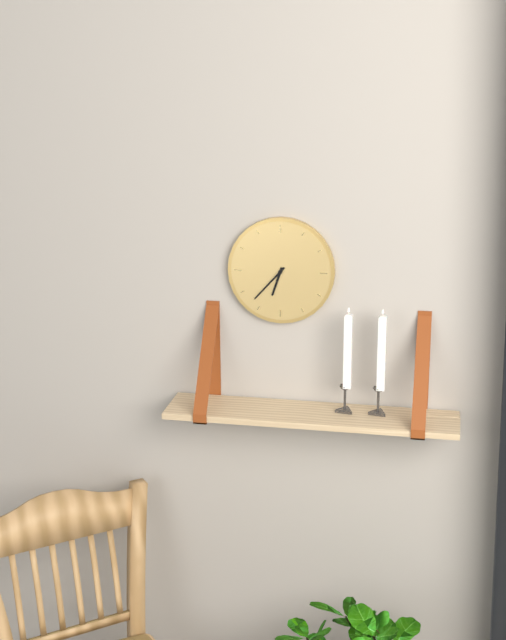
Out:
6,37
